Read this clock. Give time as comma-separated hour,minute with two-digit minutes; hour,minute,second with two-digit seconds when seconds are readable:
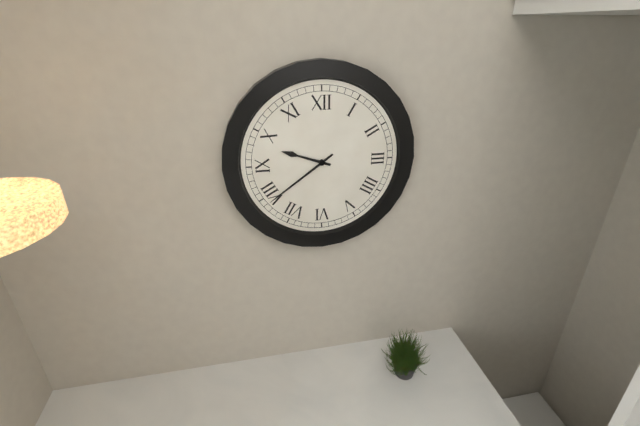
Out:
9,39
